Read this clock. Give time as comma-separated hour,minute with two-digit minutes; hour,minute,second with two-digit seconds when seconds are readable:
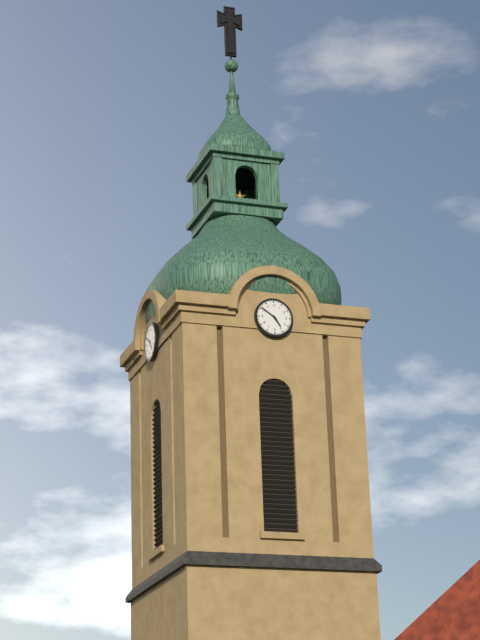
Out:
4,51
